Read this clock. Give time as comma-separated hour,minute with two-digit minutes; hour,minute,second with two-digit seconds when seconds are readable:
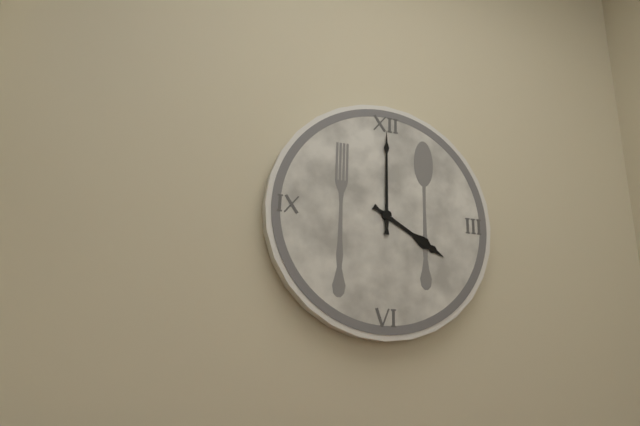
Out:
4,00
